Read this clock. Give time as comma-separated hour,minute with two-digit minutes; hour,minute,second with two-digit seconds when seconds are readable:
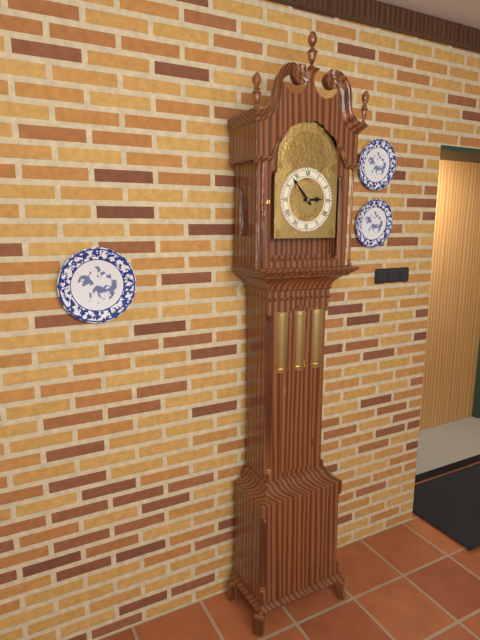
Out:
2,53
